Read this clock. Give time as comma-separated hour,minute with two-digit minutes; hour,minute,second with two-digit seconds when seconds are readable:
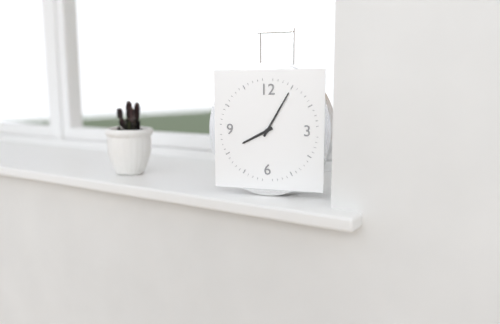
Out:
8,05
